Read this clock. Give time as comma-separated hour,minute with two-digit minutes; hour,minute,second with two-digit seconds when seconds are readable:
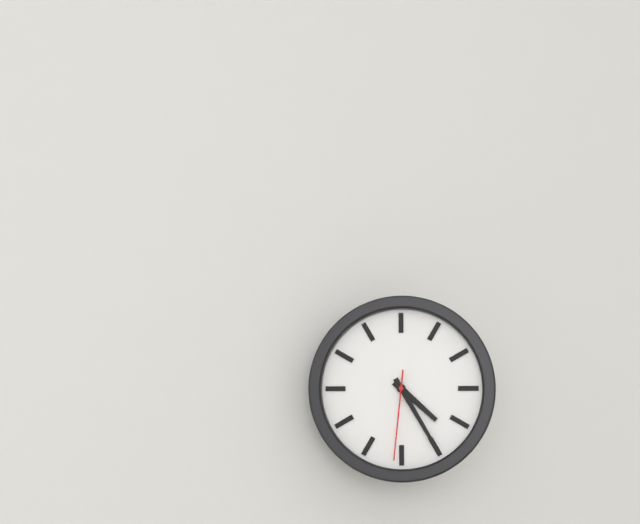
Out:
4,25,31
